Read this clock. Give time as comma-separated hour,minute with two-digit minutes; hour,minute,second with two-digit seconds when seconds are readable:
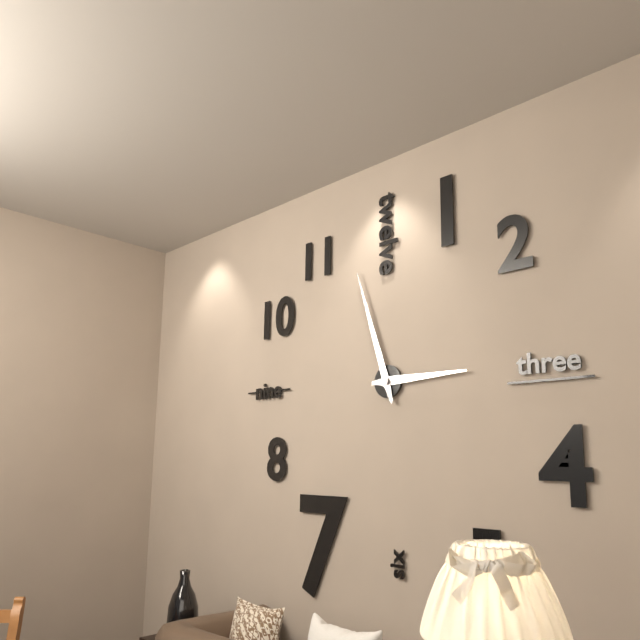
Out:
2,57
